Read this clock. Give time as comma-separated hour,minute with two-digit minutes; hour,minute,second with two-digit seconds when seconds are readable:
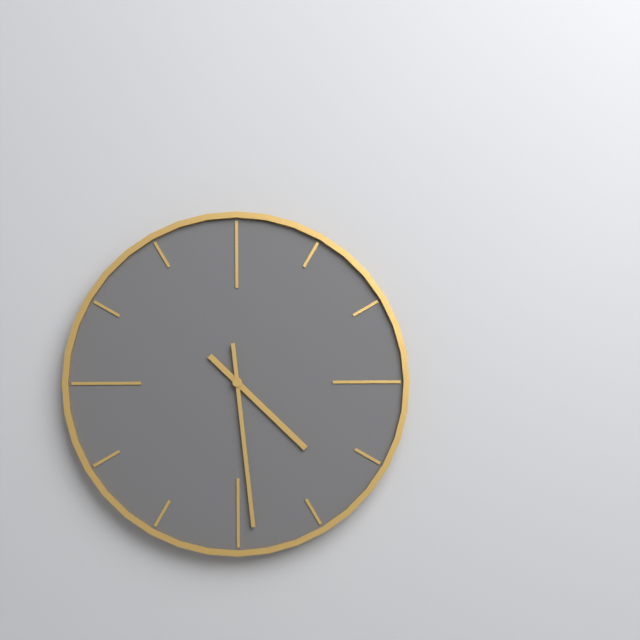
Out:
4,29
